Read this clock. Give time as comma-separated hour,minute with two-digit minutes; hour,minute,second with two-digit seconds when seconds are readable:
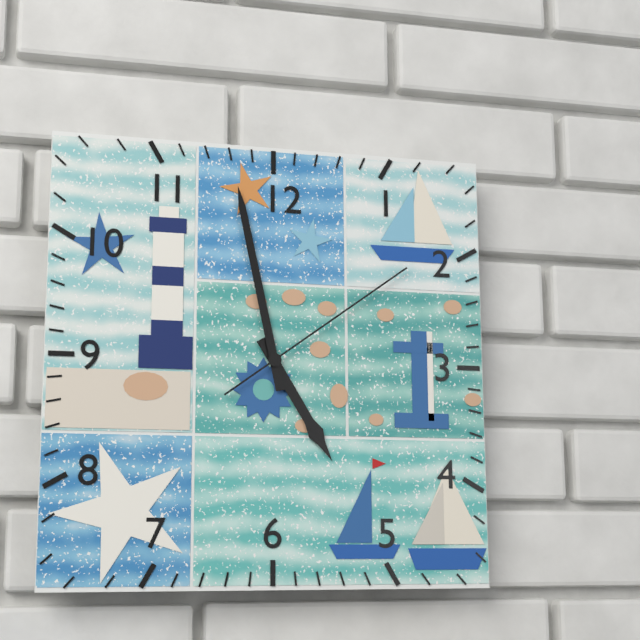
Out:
4,58,09
